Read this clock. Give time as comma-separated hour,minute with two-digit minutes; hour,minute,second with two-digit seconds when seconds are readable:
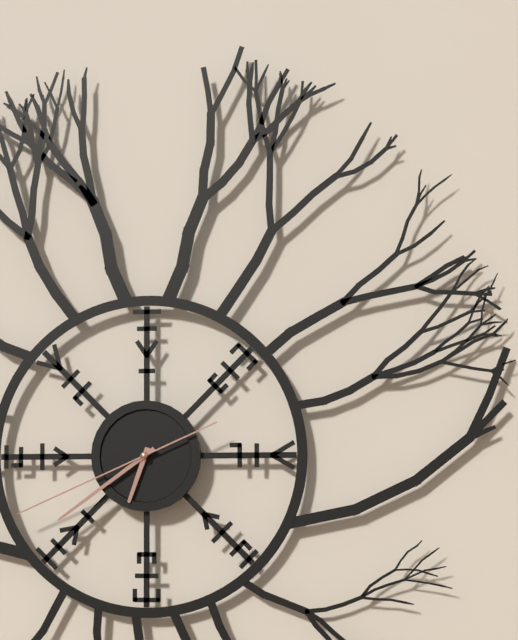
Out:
6,39,41
